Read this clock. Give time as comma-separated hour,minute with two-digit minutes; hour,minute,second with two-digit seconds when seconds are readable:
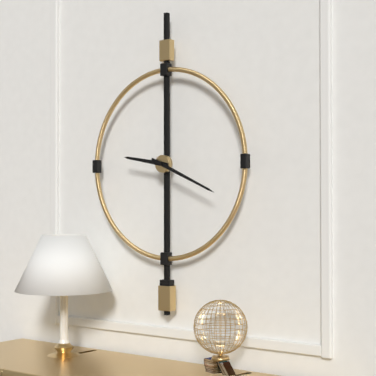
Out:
9,19
